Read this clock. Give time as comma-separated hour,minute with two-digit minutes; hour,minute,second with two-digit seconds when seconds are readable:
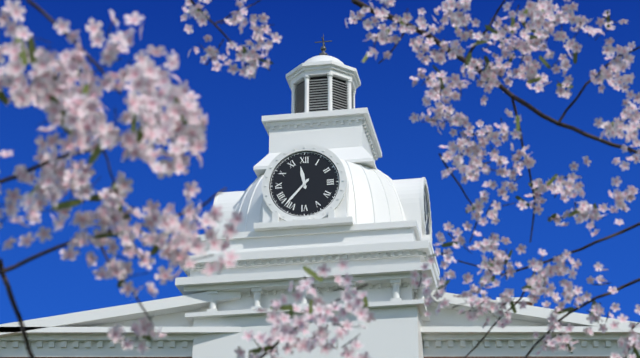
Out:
11,37
